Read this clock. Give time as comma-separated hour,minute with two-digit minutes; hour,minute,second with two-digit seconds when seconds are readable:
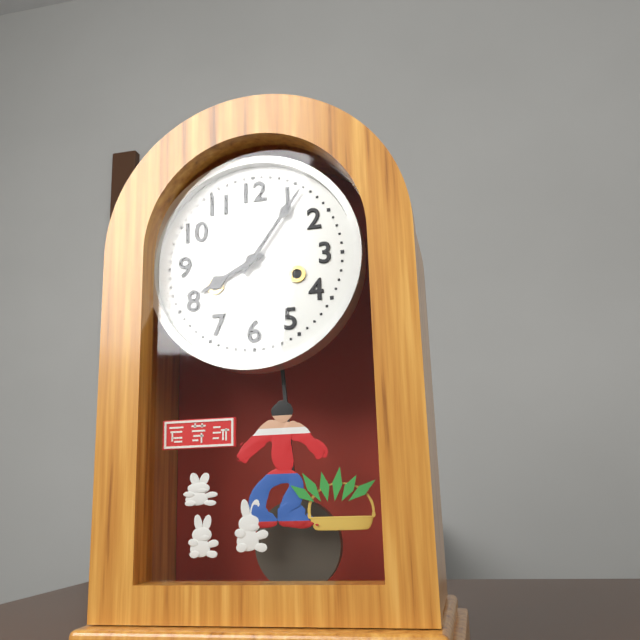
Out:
8,06
